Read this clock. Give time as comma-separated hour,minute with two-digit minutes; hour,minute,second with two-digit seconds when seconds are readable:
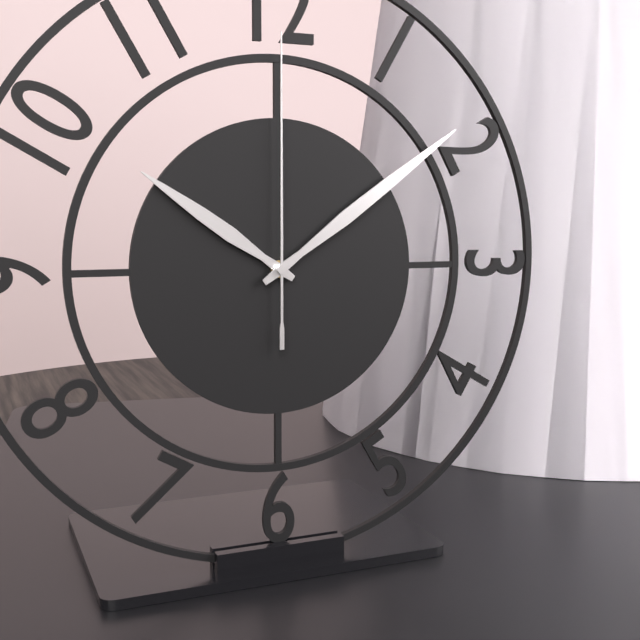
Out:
10,09,00
